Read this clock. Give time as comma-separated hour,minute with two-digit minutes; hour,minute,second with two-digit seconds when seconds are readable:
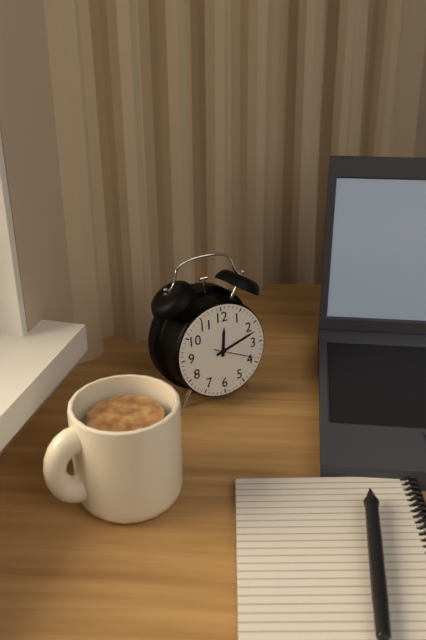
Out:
12,12
